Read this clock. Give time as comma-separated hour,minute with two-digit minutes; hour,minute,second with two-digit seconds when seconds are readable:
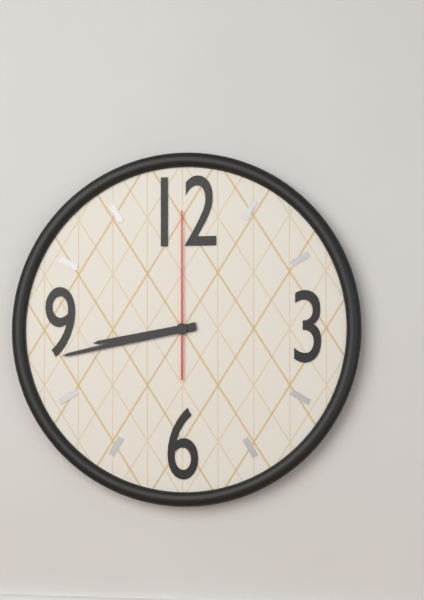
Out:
8,43,00
